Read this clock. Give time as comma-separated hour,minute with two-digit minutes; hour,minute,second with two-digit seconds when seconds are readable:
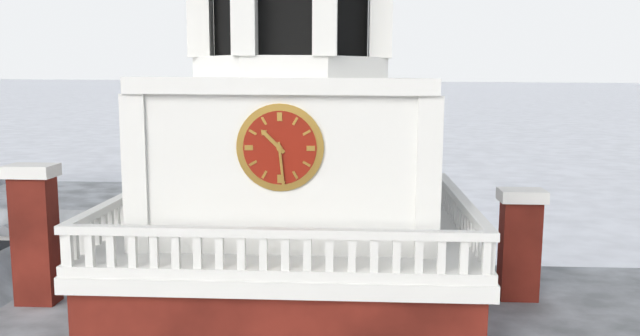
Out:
10,29
